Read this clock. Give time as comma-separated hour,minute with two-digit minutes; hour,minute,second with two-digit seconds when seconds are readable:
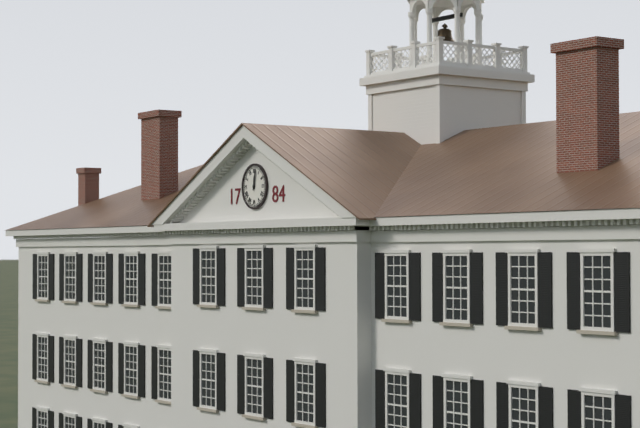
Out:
12,02
